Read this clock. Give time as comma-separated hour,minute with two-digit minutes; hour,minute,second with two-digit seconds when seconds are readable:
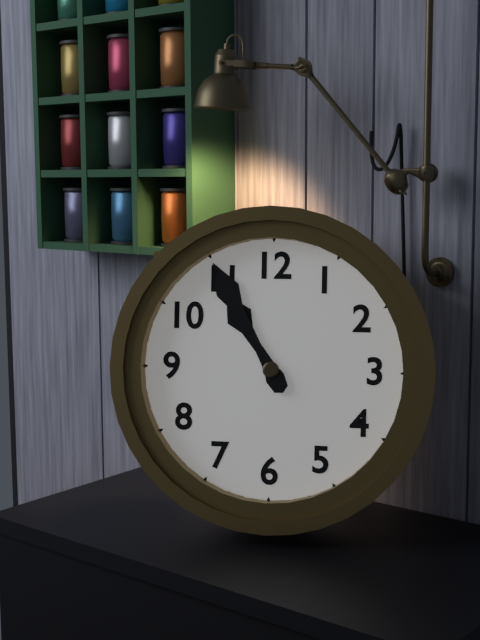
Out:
10,55
